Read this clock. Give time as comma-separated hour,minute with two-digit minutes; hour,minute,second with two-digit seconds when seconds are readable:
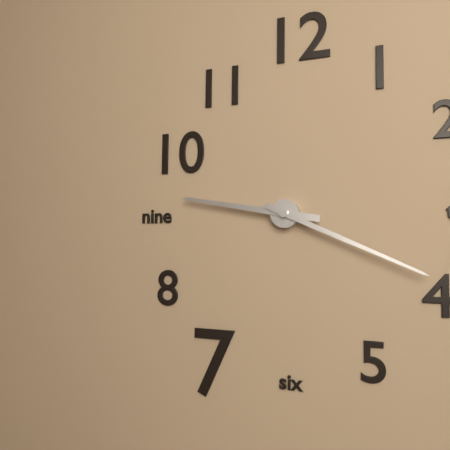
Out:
9,19
